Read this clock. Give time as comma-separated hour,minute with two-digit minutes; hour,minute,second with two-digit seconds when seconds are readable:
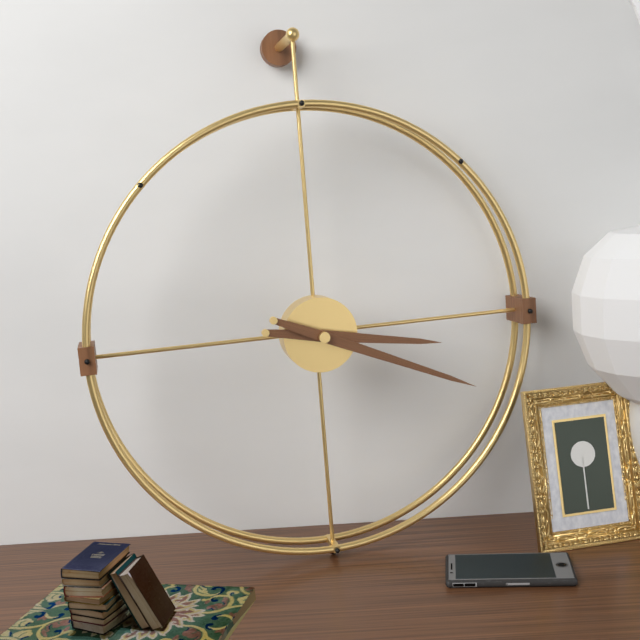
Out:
3,19
